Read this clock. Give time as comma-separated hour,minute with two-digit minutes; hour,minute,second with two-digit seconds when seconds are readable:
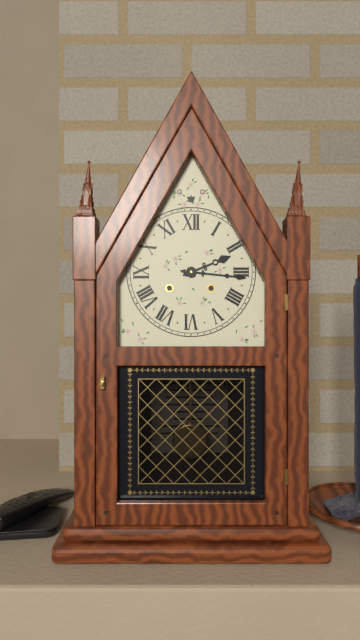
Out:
2,16
